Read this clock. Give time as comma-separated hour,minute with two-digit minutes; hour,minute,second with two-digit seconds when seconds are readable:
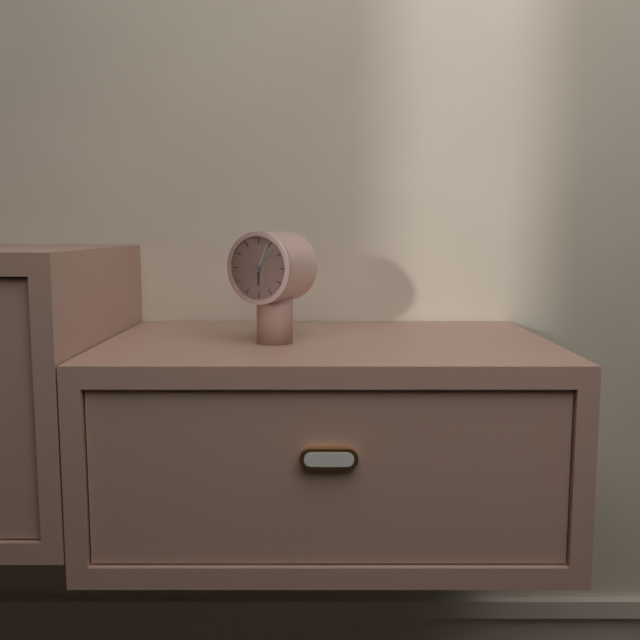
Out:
6,04
